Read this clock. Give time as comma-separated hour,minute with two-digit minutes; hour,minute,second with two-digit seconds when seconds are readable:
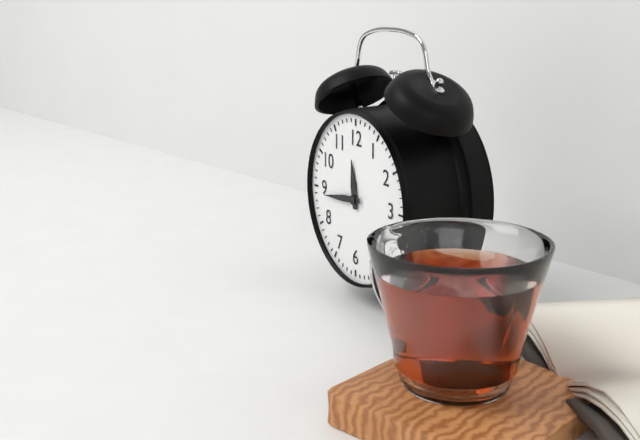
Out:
11,44
